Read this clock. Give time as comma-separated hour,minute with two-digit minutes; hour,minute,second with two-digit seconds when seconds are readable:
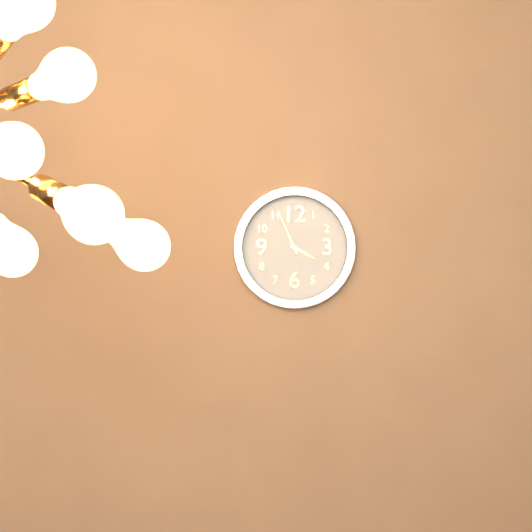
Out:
3,56
